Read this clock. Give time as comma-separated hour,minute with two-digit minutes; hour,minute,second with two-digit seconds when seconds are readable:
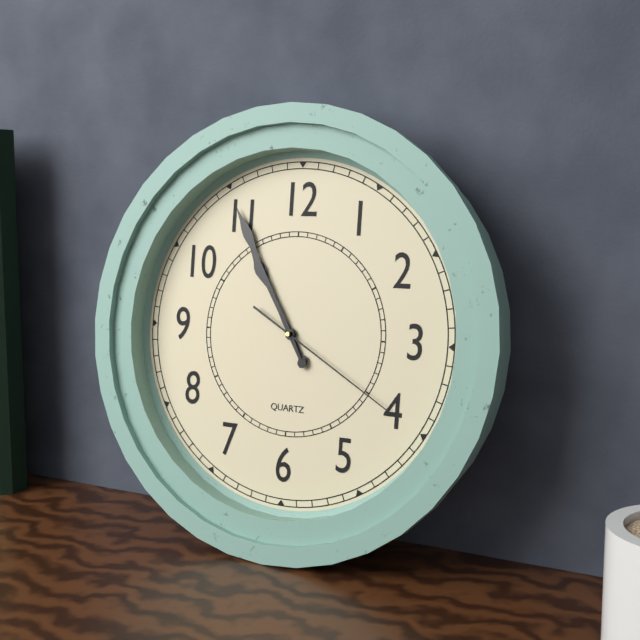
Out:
10,55,20
